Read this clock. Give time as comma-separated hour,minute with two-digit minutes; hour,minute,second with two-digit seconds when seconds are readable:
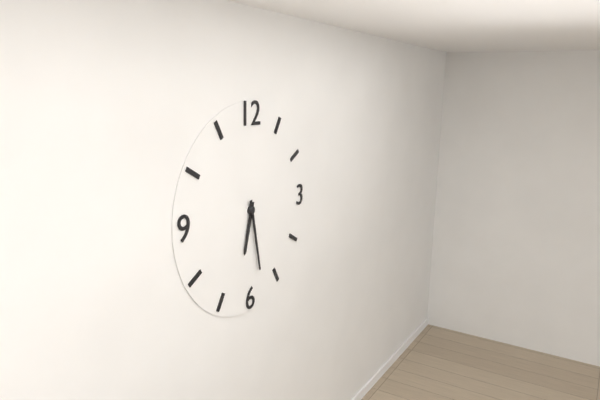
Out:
6,28
